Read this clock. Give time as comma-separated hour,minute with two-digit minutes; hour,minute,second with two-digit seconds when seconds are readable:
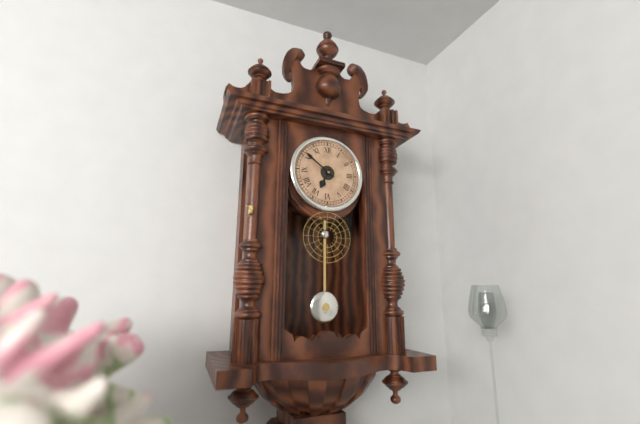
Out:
6,51
